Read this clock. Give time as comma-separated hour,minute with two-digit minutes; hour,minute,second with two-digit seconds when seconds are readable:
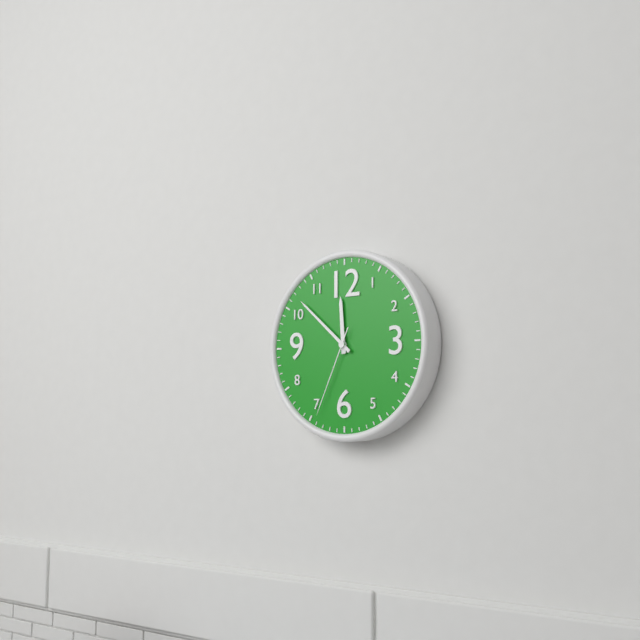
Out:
11,52,34
